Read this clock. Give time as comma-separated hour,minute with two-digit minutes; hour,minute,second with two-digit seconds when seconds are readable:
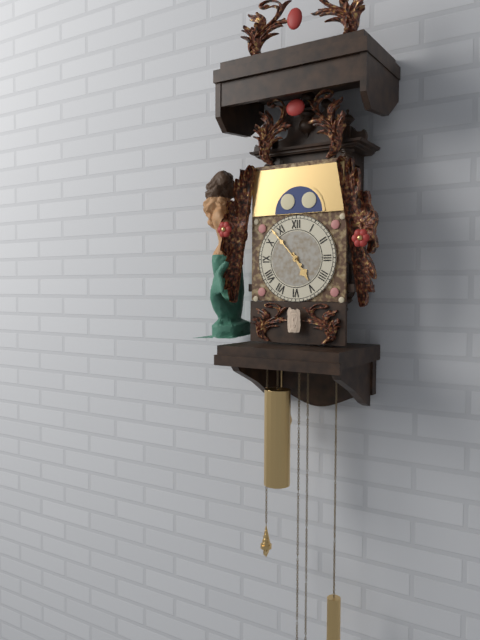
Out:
4,53
